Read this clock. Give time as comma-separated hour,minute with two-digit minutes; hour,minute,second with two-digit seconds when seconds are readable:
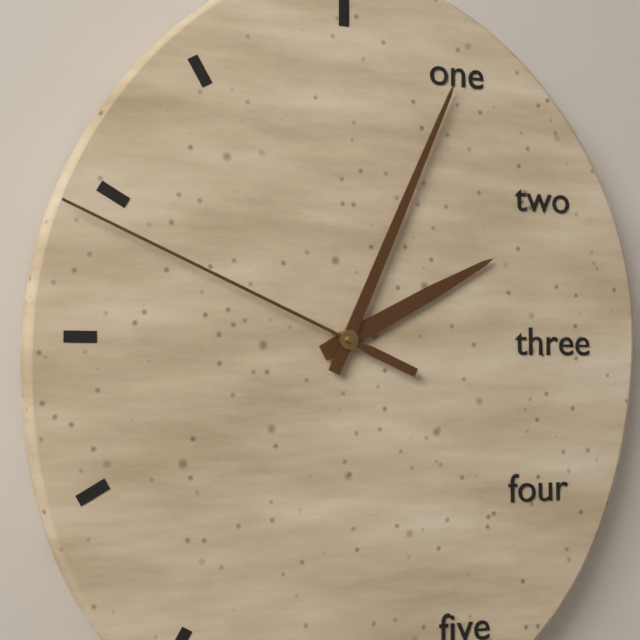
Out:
2,04,49
